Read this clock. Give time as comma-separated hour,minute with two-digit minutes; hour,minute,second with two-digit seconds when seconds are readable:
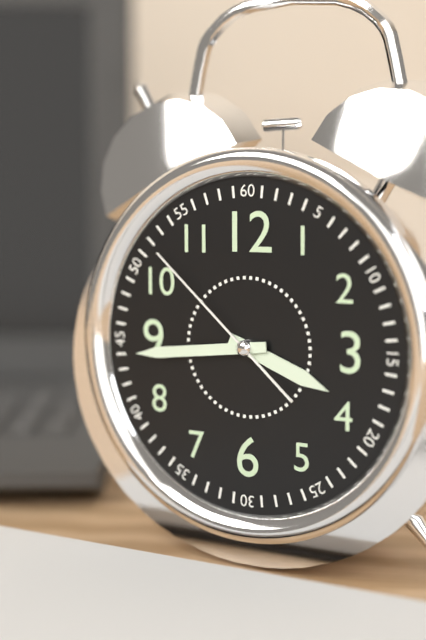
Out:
3,44,52
